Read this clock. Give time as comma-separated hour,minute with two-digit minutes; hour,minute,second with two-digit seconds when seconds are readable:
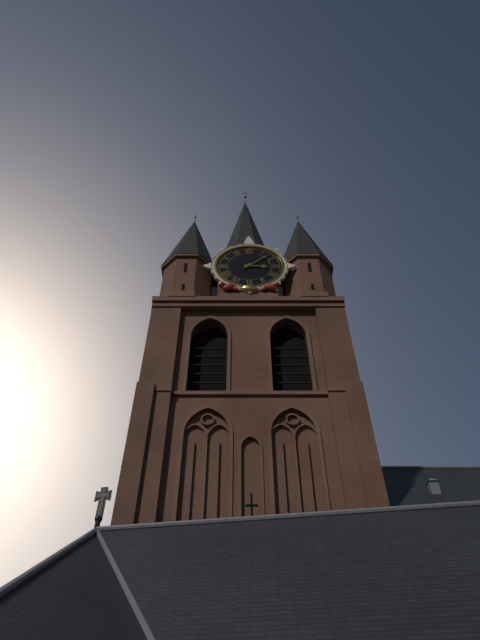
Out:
3,08
